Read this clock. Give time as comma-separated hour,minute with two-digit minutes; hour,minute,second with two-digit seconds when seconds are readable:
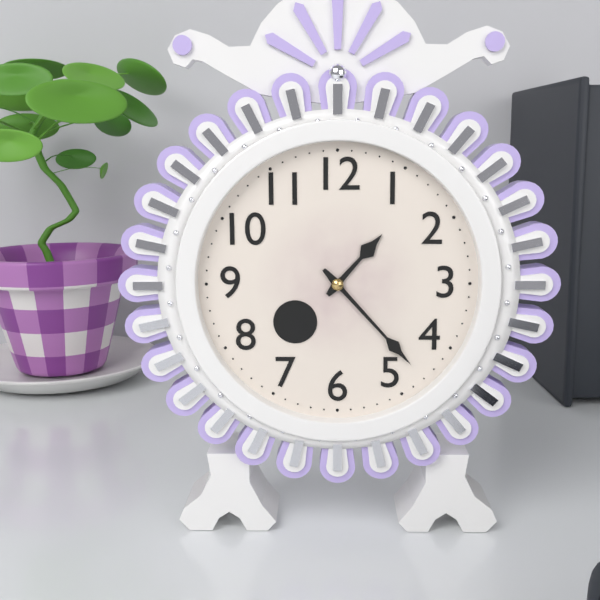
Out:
1,23
